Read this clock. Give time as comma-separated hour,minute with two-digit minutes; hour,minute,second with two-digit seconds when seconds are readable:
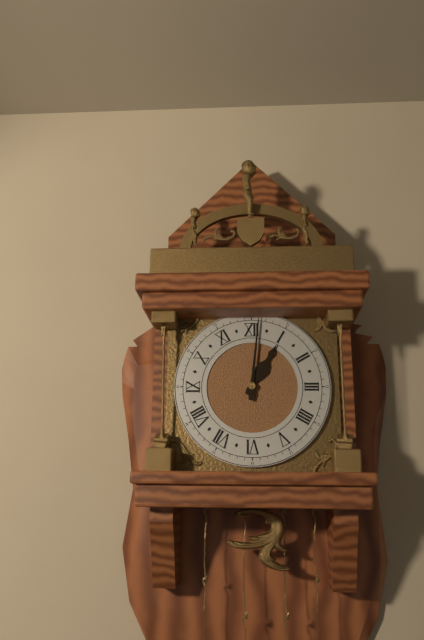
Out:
1,01
